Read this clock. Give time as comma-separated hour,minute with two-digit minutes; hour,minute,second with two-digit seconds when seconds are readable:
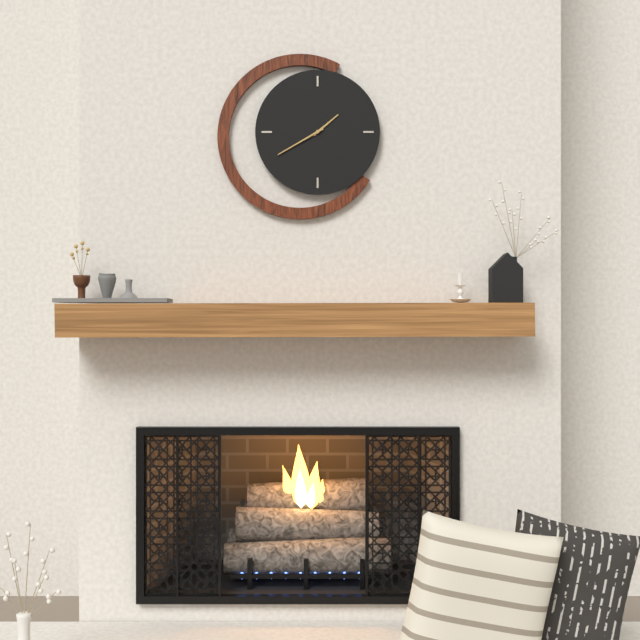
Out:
1,40
